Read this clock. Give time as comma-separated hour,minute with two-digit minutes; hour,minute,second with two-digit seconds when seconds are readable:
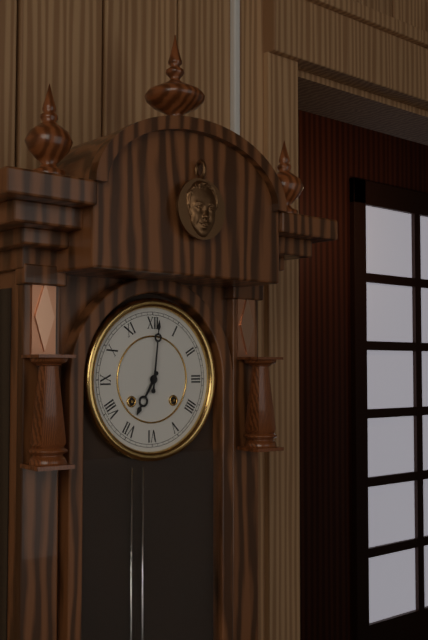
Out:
7,01
